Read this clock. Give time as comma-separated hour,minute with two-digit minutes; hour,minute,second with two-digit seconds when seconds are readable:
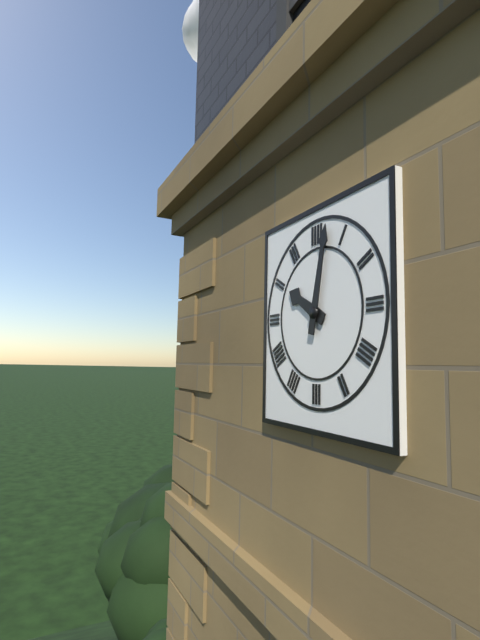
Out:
10,02
